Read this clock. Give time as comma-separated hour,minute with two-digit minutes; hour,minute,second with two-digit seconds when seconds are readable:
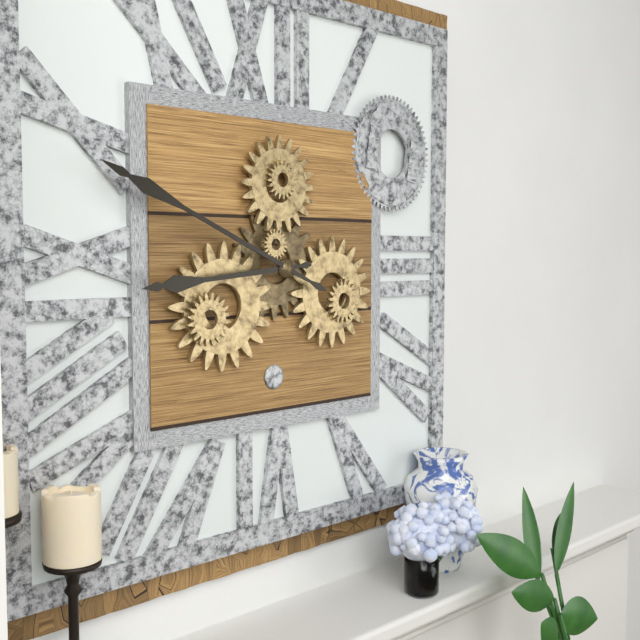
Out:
8,49
